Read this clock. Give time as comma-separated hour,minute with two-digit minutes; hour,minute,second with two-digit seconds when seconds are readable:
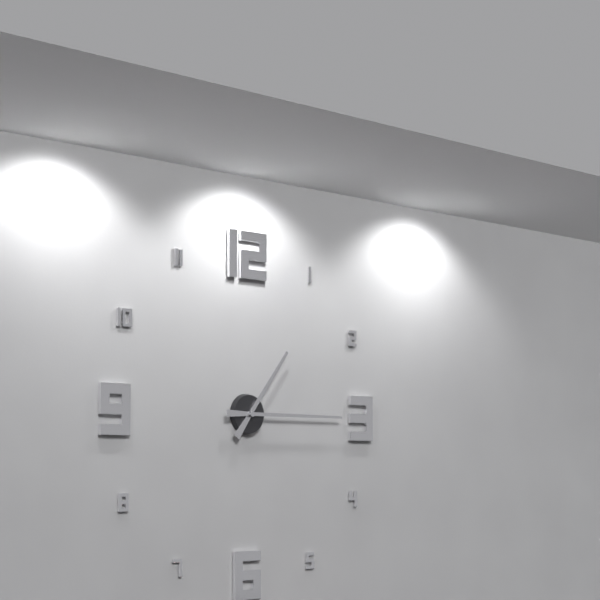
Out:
1,15
